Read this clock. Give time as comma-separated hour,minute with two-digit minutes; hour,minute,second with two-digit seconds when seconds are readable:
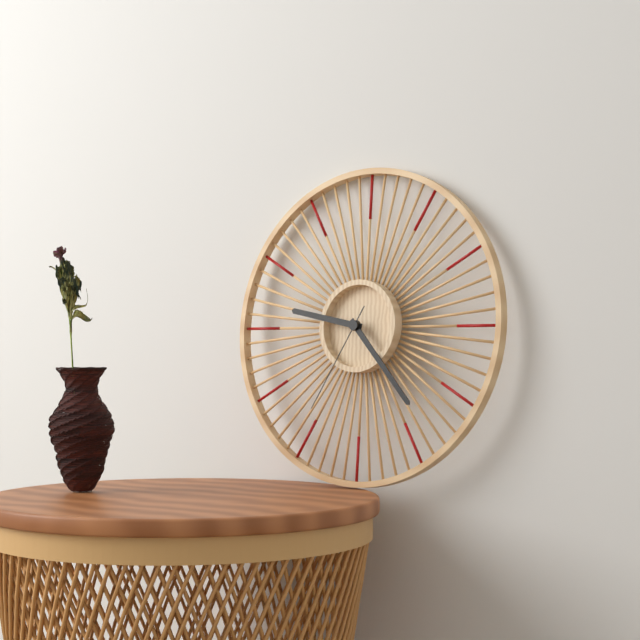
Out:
9,23,35
